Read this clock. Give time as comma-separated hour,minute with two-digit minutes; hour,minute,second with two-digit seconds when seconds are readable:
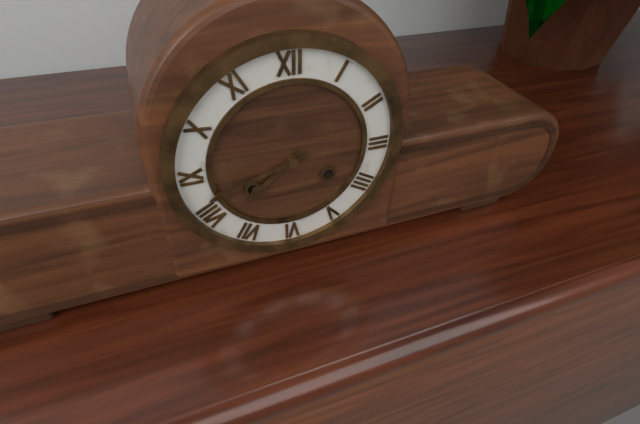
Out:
7,42
